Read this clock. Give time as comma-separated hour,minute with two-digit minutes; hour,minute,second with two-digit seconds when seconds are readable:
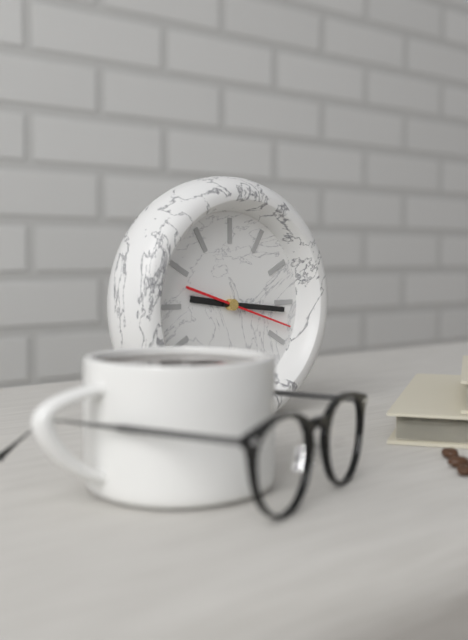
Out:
9,16,18
